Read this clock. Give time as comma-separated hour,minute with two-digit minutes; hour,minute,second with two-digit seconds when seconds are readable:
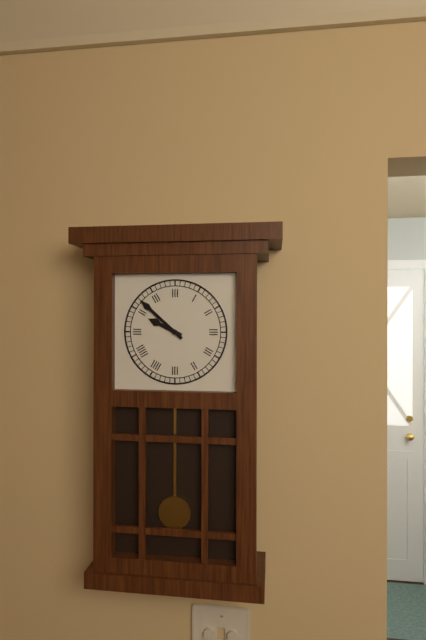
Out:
9,52
